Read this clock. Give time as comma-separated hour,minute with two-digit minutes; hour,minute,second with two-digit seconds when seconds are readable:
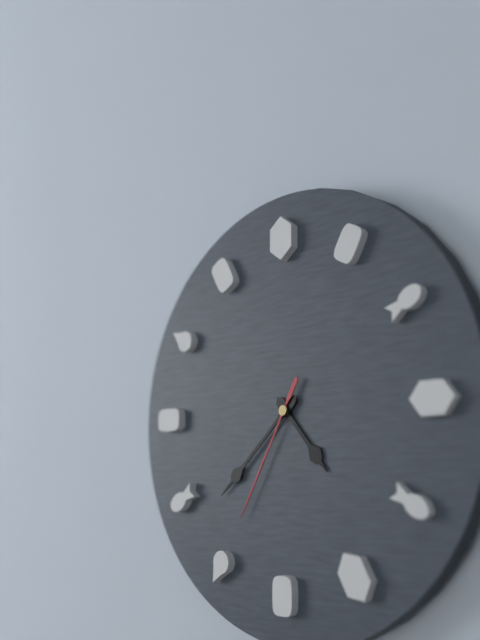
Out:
4,38,35
